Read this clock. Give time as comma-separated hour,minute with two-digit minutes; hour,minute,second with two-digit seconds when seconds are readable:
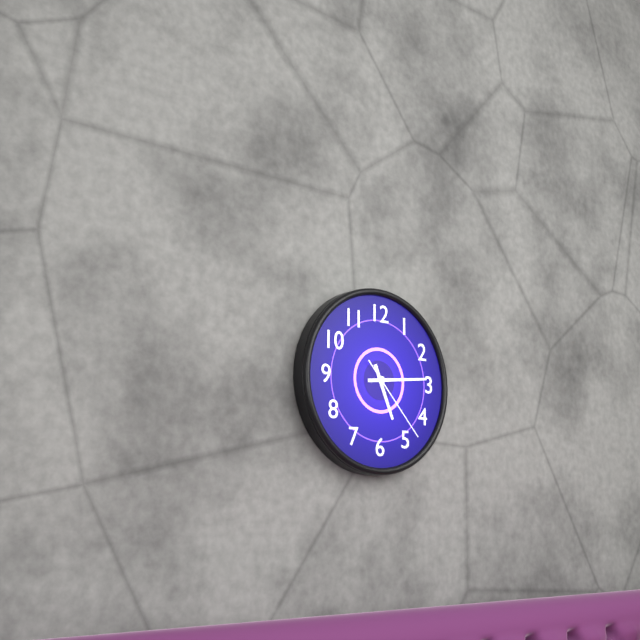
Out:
5,14,23
